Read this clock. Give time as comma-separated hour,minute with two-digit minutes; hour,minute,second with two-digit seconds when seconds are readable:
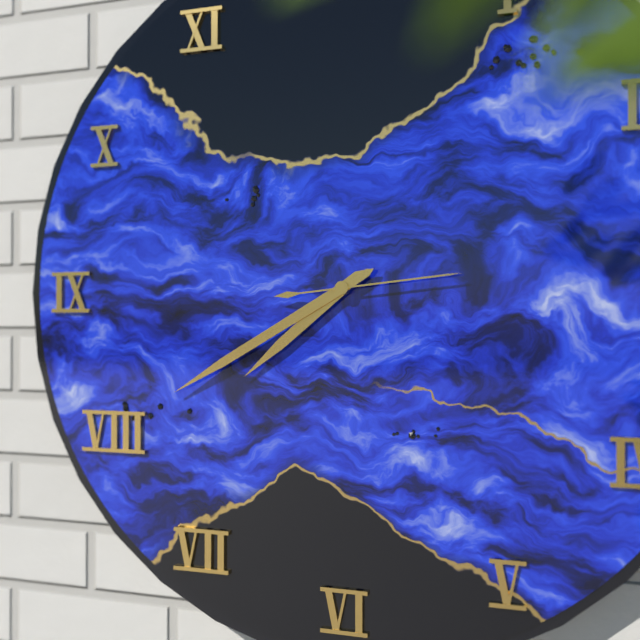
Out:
7,40,14
